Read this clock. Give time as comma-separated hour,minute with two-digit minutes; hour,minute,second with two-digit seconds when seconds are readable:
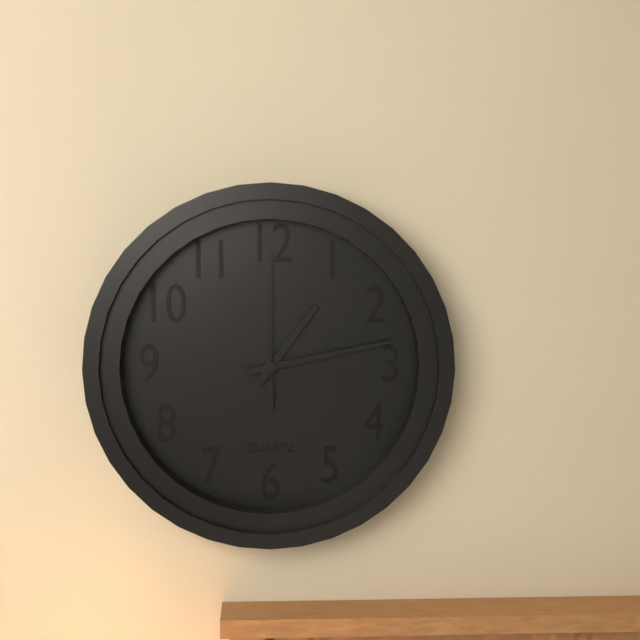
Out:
1,13,00
